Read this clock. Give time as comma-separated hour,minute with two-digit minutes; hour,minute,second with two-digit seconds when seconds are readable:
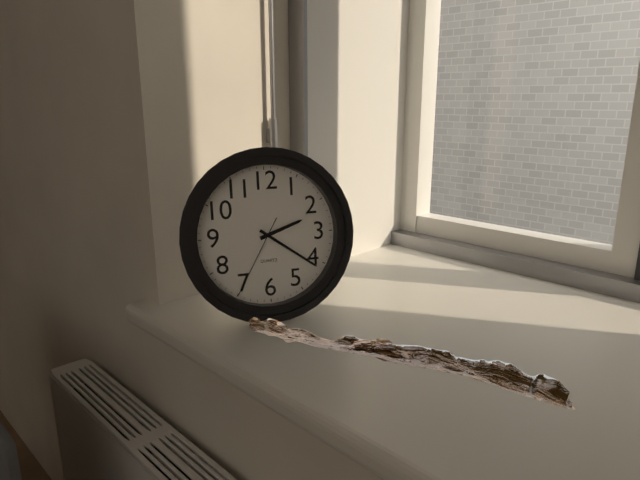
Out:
2,21,35
